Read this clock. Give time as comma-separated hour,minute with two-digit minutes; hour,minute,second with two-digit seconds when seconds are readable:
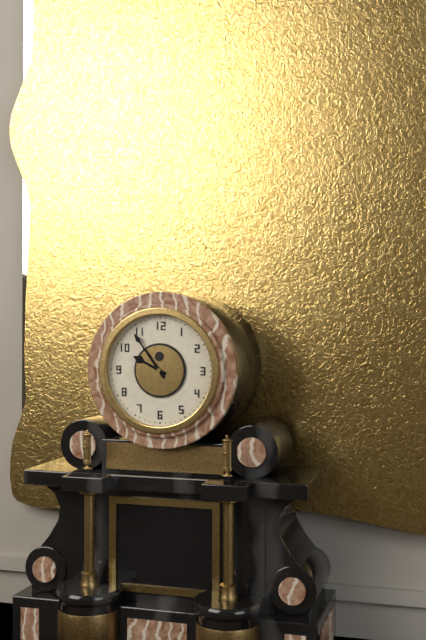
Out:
9,54
